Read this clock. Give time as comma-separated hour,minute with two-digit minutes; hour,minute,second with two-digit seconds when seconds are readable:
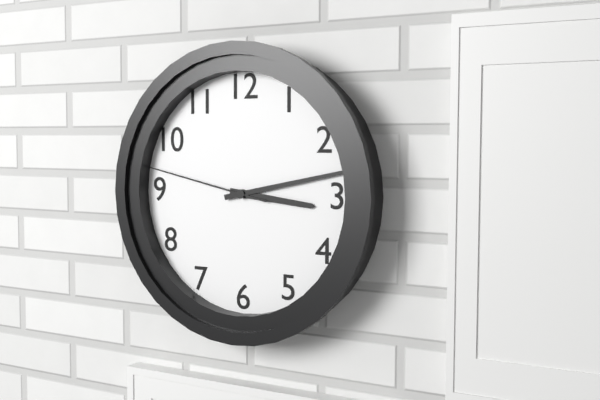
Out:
3,13,47
